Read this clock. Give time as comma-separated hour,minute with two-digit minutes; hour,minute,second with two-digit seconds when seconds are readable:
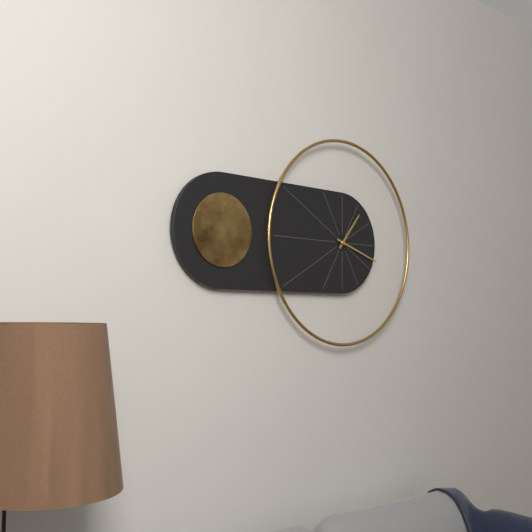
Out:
1,18
